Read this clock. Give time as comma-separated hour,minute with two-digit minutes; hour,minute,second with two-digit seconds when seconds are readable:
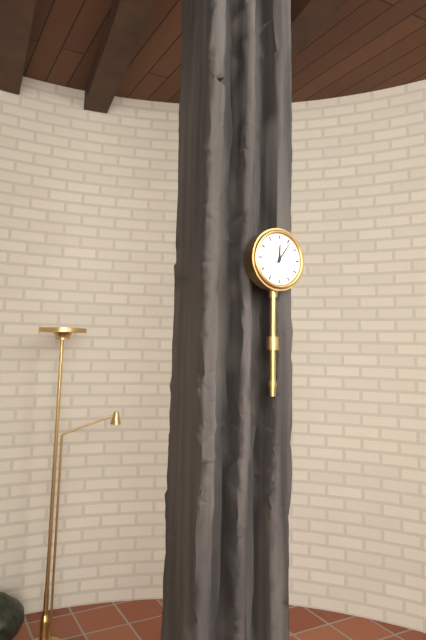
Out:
12,06
